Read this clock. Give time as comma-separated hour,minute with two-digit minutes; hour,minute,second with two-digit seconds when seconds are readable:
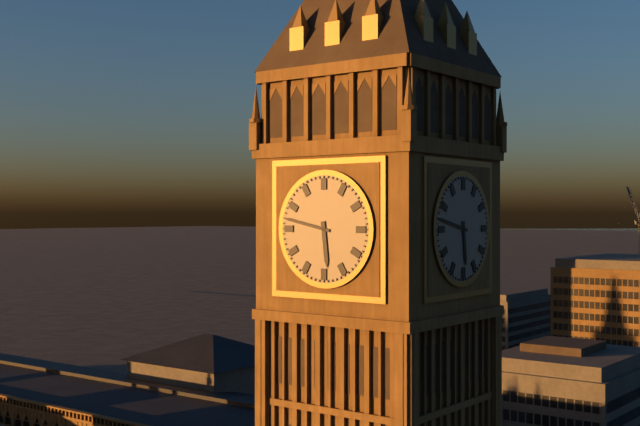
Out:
5,47
